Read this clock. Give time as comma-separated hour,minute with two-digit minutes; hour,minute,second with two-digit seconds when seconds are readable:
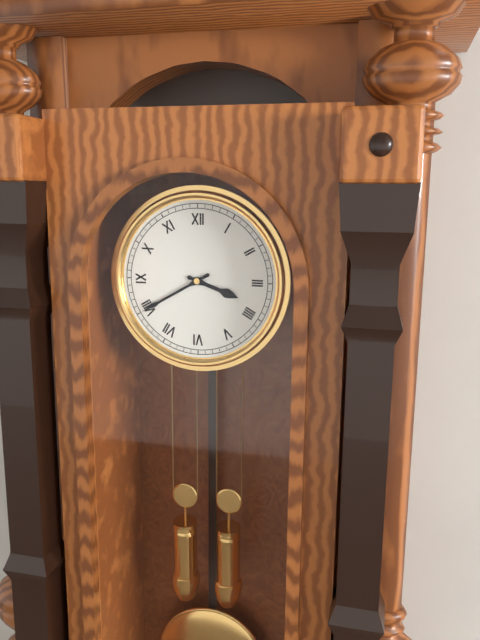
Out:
3,40
